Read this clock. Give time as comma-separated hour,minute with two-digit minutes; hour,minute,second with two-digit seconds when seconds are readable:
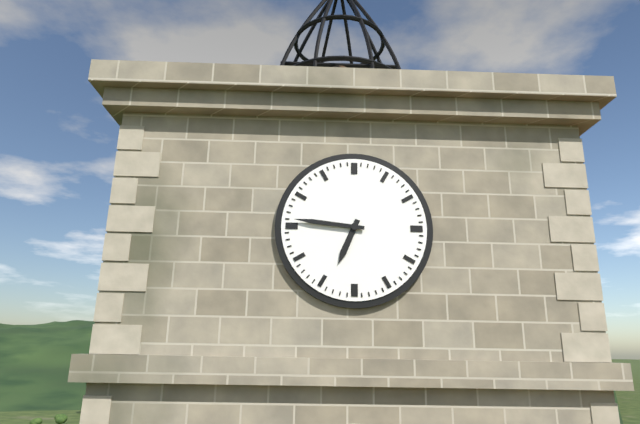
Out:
6,46
